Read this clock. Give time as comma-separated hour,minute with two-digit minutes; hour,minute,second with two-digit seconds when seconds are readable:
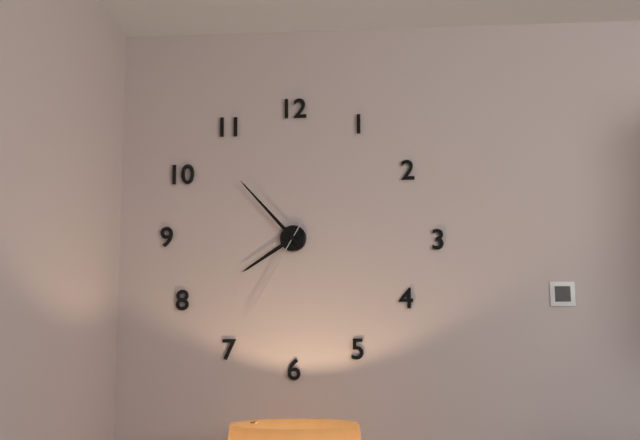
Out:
7,53,35
